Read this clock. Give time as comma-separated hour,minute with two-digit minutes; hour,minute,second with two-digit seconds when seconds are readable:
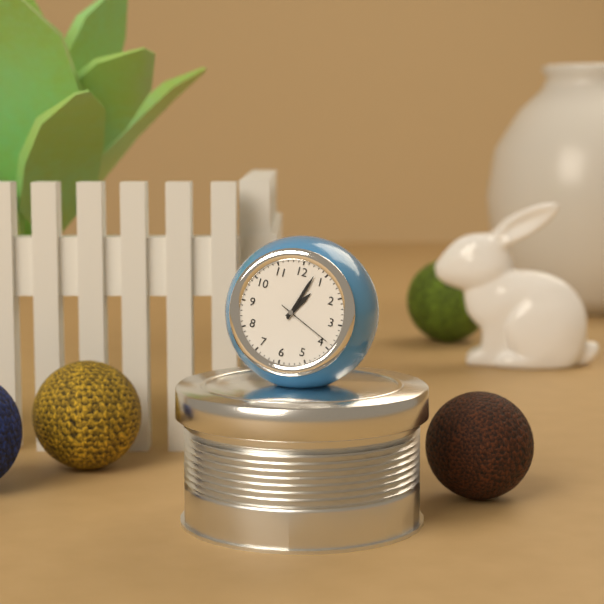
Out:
1,03
